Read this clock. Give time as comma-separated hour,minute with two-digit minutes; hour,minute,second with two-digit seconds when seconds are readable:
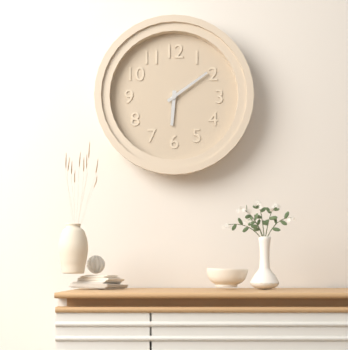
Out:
6,09
